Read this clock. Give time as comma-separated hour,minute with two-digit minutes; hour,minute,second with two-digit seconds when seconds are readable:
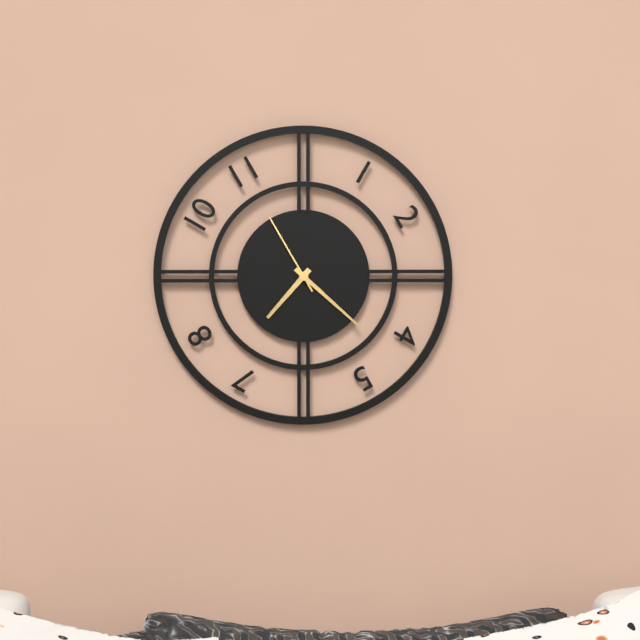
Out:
7,22,55
